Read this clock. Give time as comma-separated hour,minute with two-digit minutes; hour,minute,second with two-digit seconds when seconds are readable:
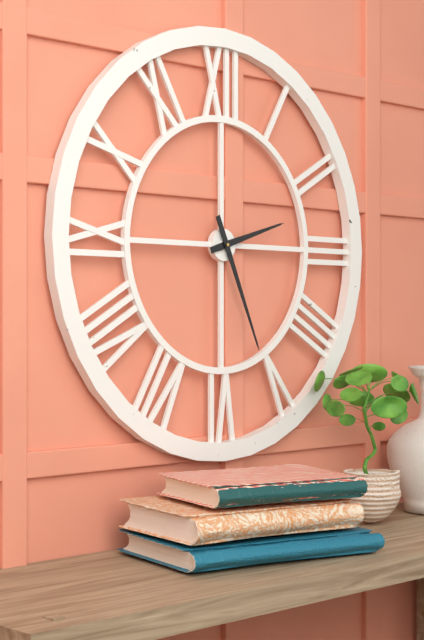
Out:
2,26
